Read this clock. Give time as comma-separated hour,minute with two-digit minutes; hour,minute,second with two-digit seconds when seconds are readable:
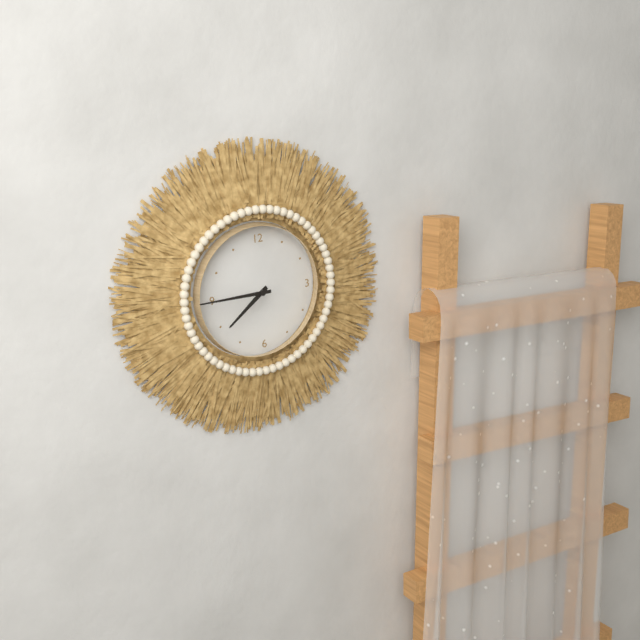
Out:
7,45
